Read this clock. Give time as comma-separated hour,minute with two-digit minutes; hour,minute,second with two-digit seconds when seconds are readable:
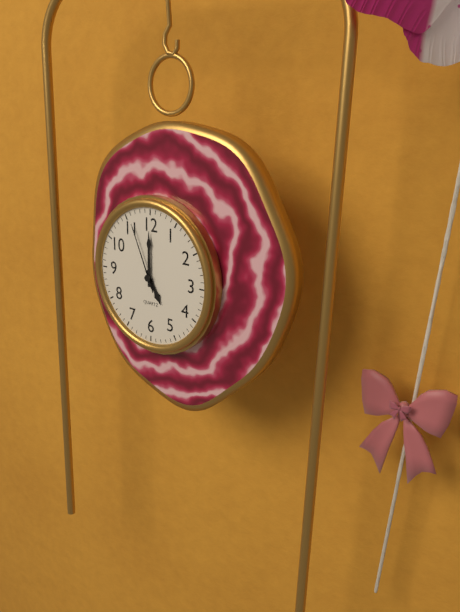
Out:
5,00,56
